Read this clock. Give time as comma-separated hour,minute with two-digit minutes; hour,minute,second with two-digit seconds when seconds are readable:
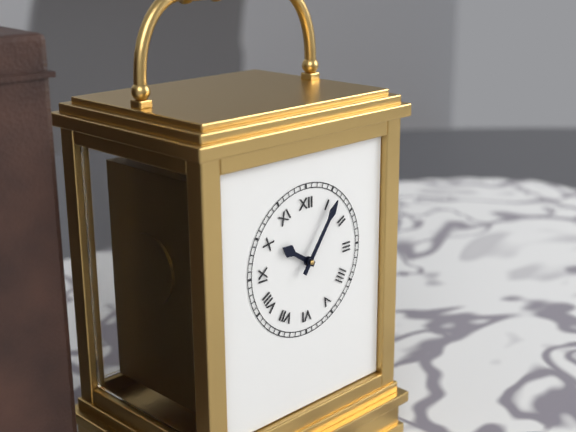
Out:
10,06
